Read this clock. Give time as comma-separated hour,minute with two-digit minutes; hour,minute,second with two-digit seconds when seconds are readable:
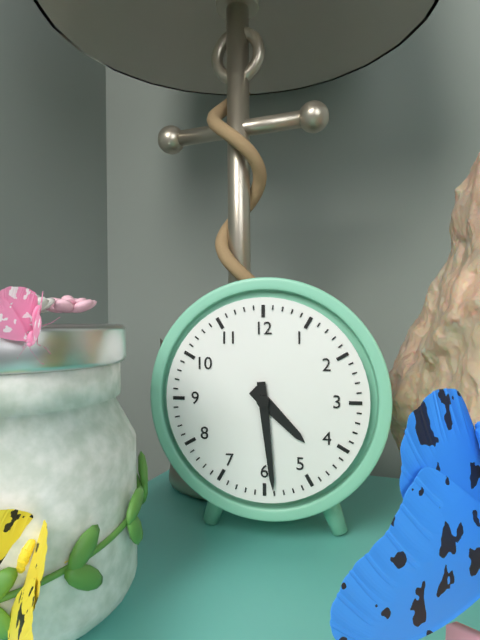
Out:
4,29
